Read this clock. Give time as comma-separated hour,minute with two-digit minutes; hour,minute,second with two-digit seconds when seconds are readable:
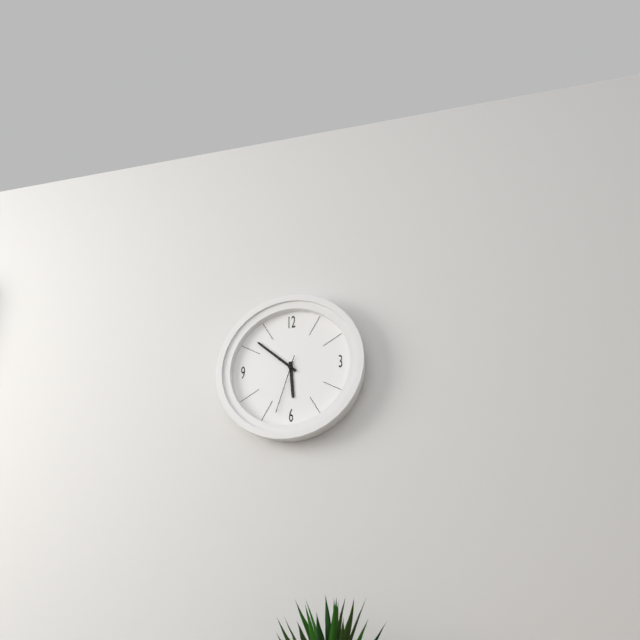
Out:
5,52,33
